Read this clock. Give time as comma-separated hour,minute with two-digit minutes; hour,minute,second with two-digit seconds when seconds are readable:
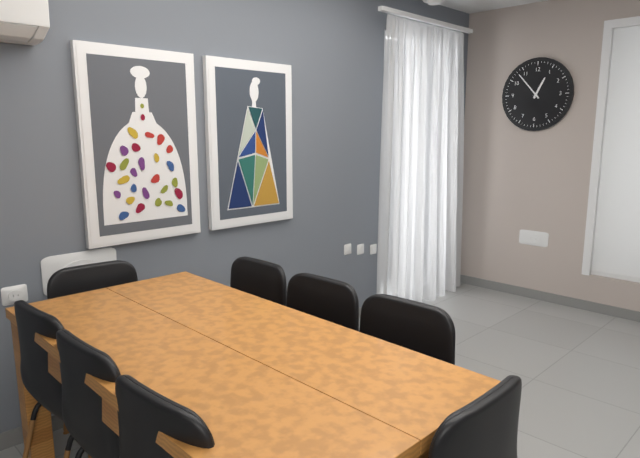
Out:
12,53
